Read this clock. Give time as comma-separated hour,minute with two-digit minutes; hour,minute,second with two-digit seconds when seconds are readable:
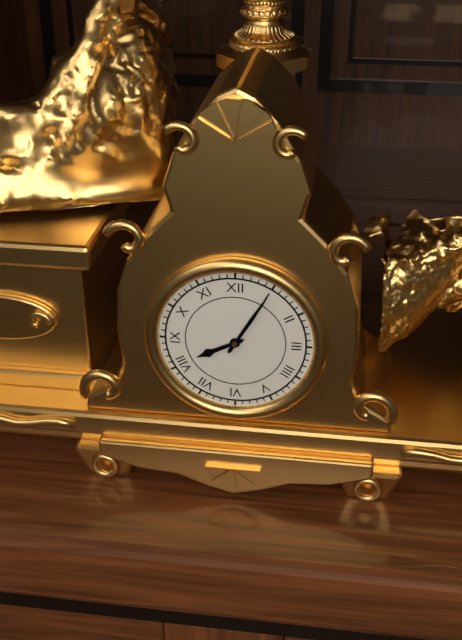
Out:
8,05
